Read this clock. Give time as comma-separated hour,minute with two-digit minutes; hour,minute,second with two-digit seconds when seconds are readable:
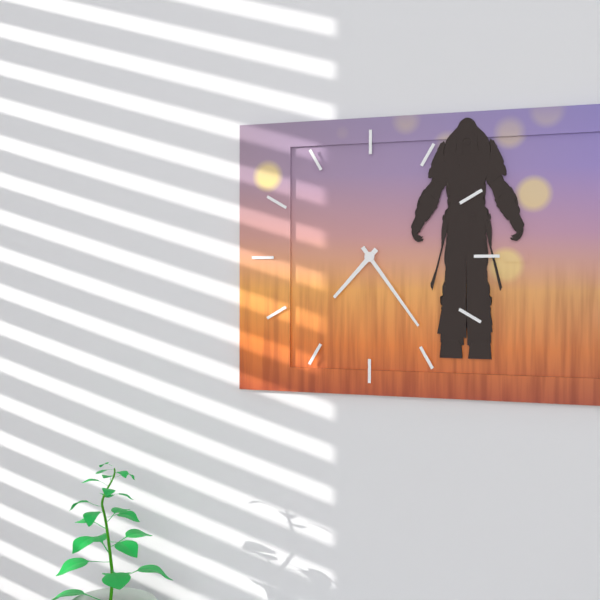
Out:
7,24
